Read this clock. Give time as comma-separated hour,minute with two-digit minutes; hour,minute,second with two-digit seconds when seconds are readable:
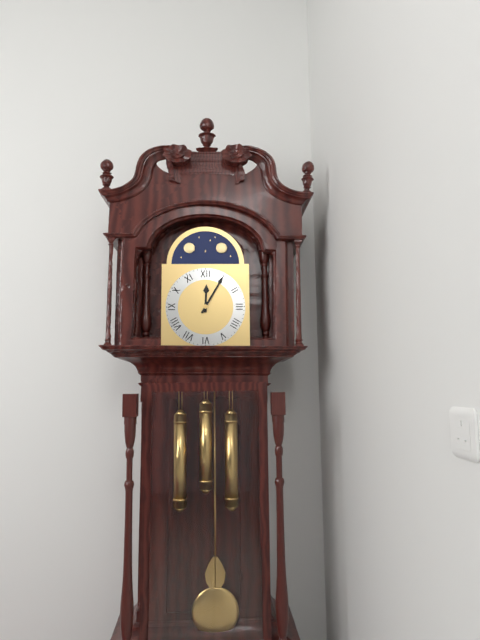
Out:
12,05
